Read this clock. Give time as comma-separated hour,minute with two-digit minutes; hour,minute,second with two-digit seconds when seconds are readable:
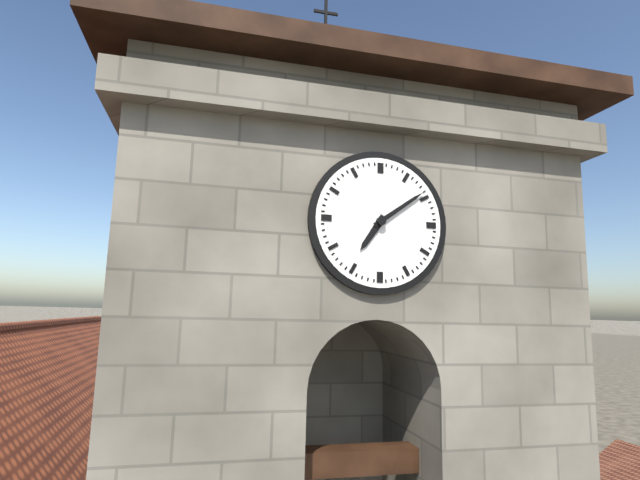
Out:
7,09
